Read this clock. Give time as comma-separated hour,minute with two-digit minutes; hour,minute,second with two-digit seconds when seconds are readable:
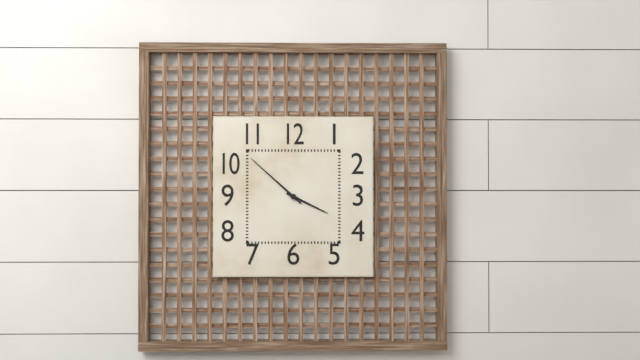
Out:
3,52
